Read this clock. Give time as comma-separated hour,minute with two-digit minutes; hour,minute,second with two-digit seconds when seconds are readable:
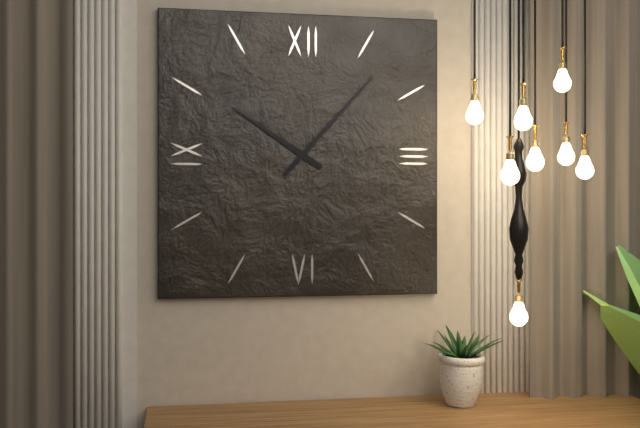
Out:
10,07
